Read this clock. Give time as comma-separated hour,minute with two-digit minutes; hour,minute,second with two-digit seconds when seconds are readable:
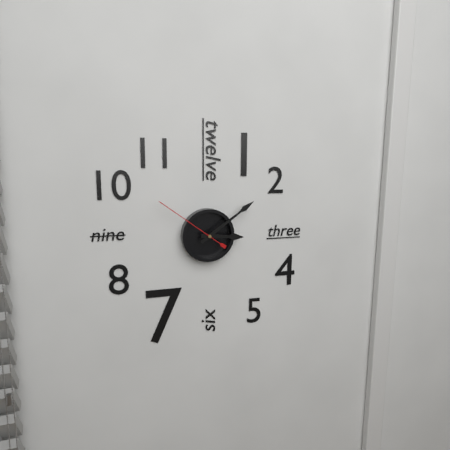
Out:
3,09,51
